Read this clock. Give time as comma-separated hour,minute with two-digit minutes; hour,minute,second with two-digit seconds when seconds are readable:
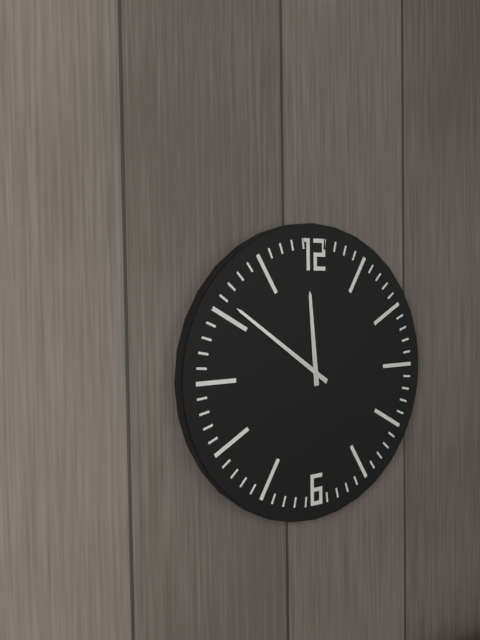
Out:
11,51
